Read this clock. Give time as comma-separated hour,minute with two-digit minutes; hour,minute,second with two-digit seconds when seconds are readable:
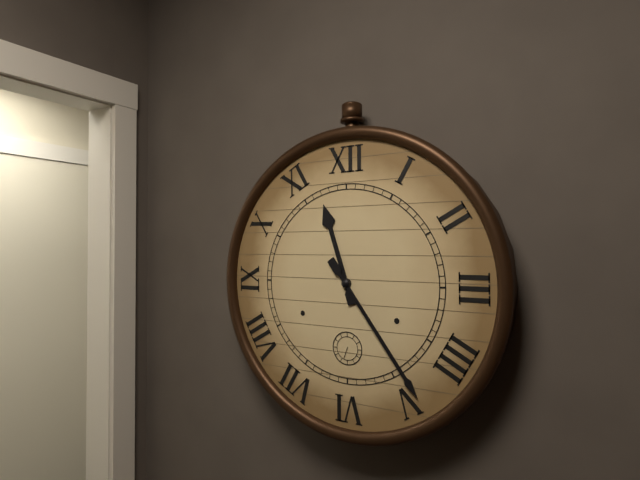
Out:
11,24
